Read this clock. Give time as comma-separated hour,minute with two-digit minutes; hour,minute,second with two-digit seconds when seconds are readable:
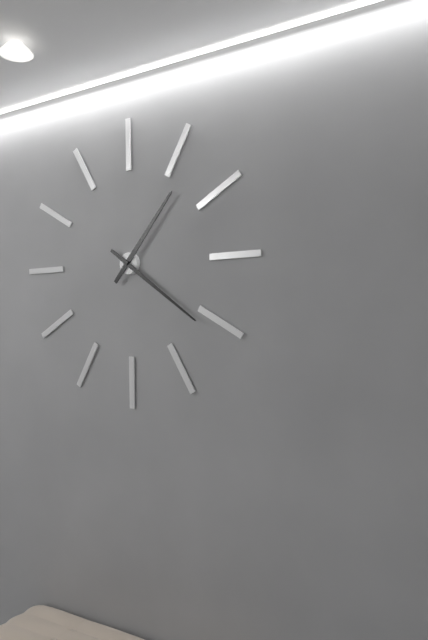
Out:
1,21
